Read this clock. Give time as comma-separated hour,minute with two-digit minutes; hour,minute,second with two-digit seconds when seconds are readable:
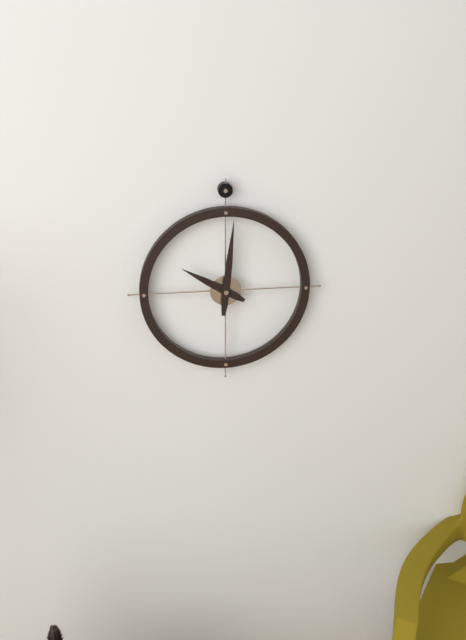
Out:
10,01
